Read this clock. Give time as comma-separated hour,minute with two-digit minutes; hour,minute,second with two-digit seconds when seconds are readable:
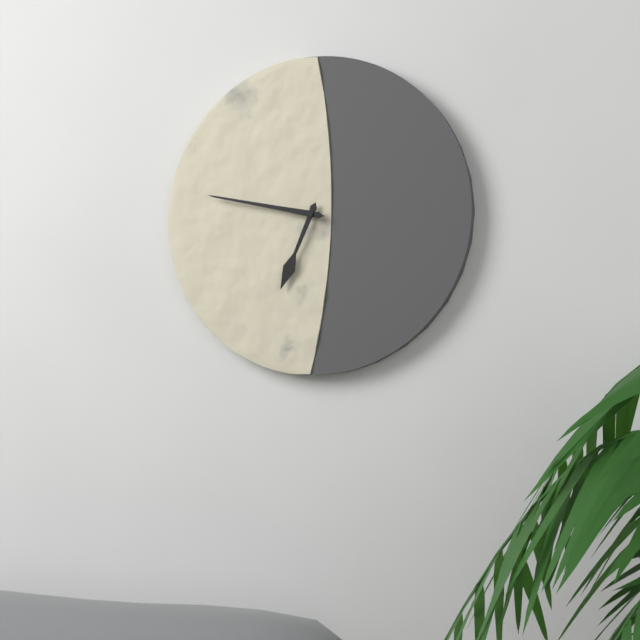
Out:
6,47
